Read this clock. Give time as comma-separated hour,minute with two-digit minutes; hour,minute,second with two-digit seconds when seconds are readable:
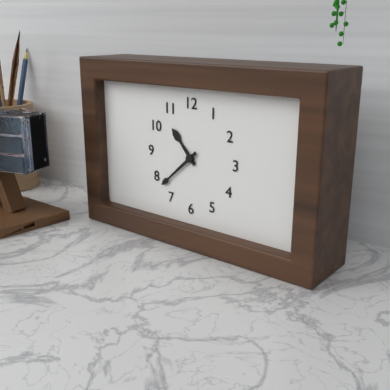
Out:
10,38
